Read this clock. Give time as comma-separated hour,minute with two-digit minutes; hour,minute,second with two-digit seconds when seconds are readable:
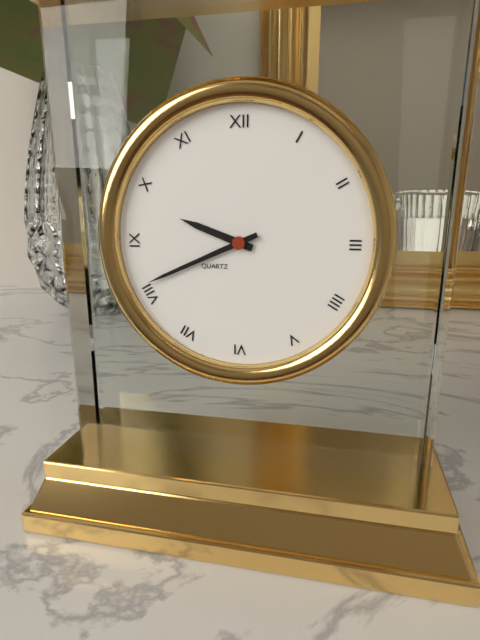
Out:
9,41
